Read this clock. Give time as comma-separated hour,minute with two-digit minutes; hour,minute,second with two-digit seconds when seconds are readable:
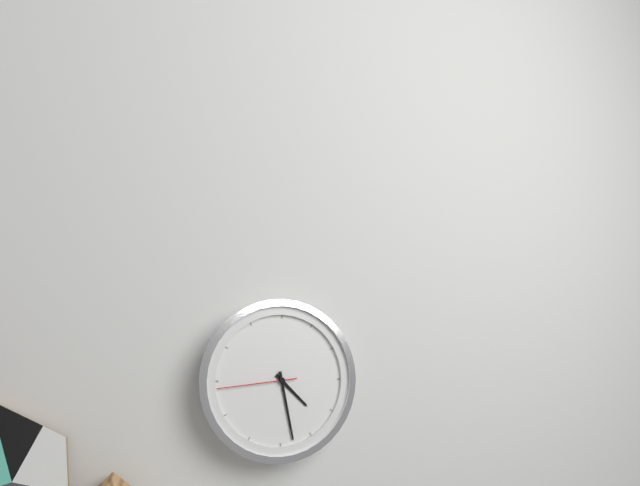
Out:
4,28,44
